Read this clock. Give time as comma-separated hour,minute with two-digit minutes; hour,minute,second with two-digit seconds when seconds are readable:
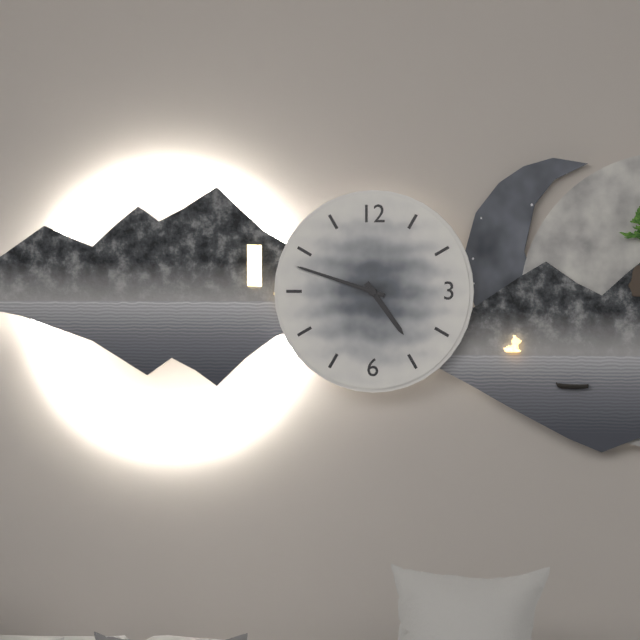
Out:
4,48
